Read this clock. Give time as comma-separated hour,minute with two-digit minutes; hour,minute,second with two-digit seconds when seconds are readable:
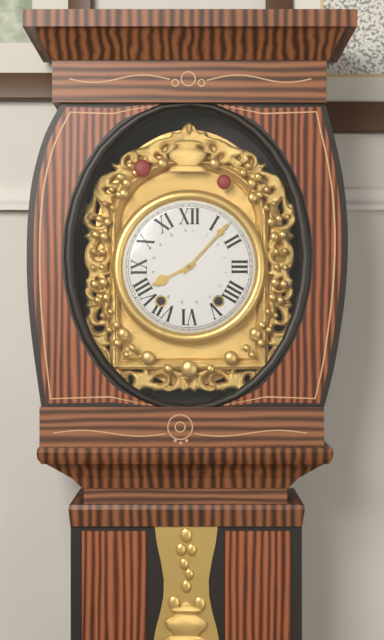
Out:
8,07
